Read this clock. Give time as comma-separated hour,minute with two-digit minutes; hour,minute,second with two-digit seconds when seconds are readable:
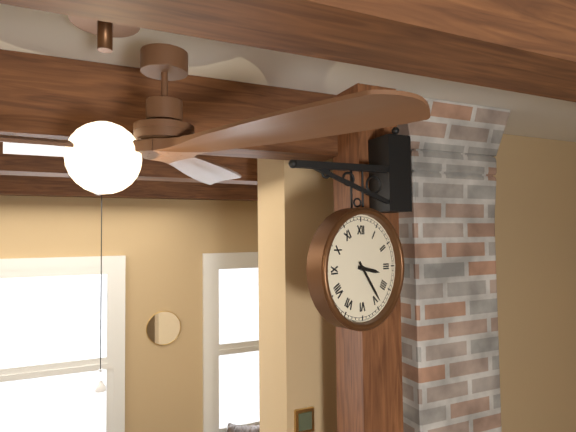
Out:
3,24
